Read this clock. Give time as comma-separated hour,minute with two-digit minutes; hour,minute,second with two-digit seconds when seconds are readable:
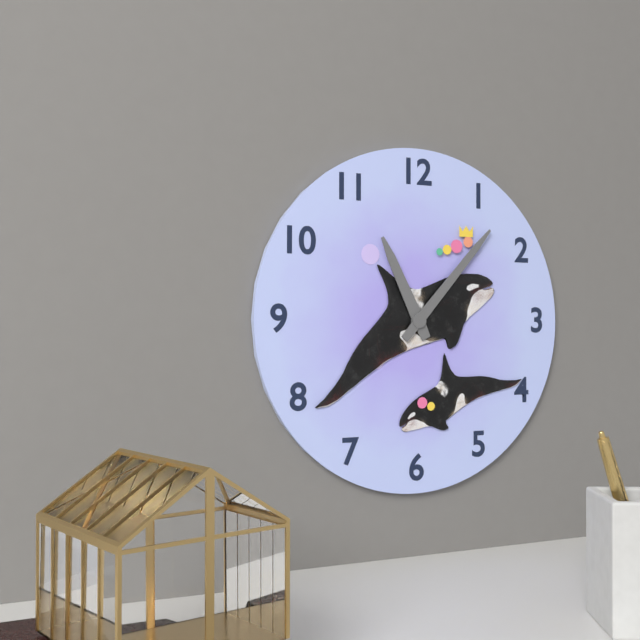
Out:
11,07
